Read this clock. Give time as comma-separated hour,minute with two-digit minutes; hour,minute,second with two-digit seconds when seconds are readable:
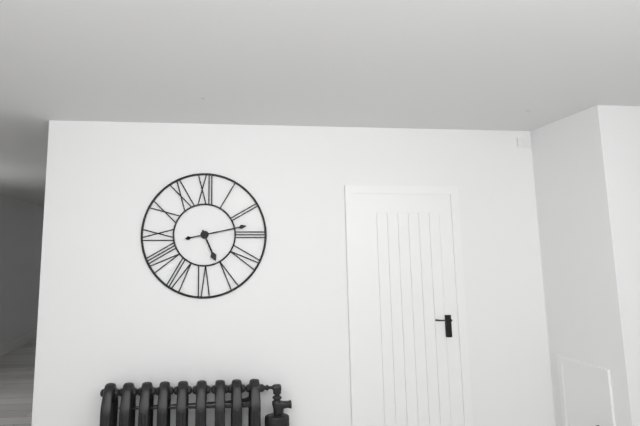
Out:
5,13
